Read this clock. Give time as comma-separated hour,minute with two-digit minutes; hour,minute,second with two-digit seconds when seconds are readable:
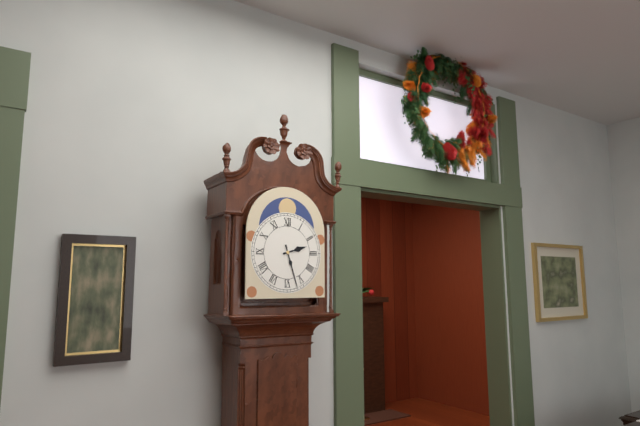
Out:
2,27
